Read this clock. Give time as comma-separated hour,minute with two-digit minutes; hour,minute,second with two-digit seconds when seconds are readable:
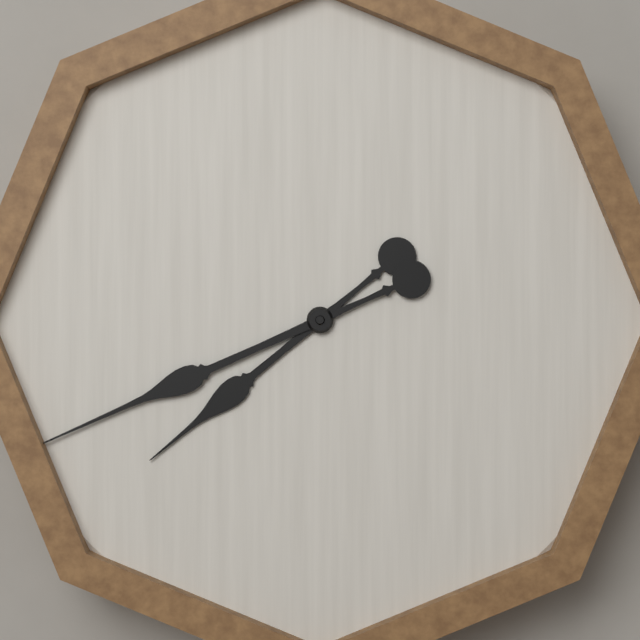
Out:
7,41
